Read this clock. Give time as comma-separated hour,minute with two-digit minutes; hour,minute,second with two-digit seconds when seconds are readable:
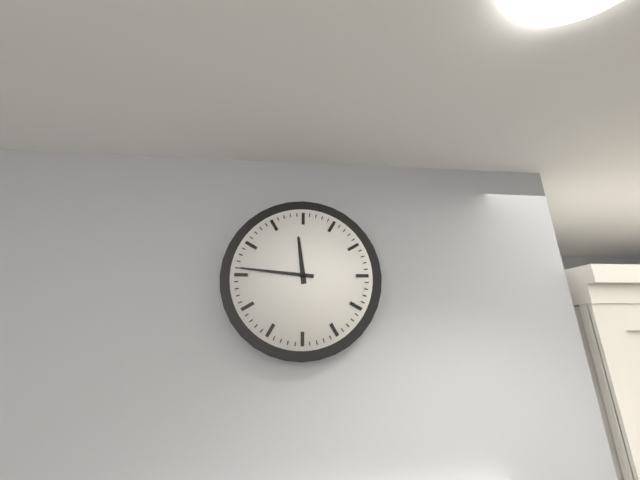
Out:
11,46
